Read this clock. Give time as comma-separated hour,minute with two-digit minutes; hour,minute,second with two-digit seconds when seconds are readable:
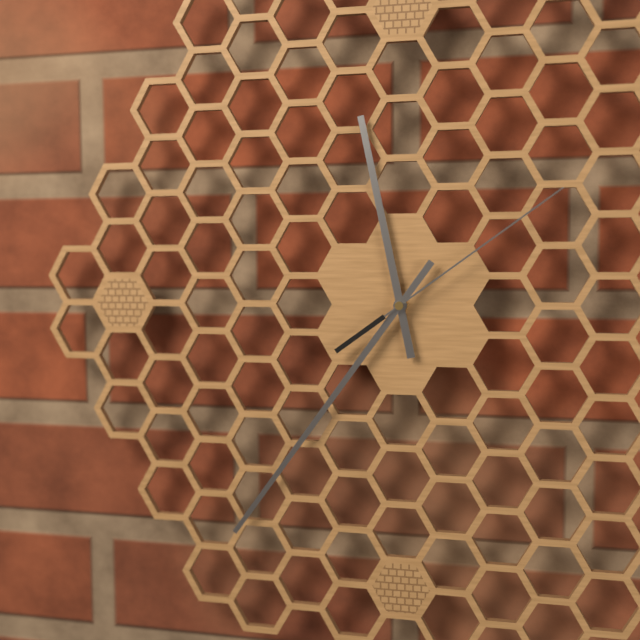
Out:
11,36,09
